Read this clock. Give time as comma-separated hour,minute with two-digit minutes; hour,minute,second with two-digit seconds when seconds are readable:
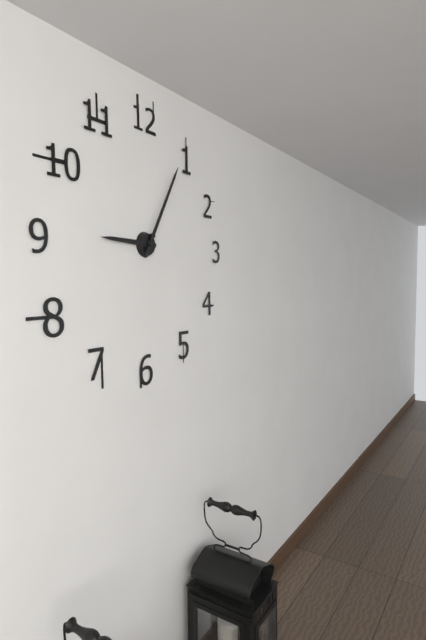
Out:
9,05
